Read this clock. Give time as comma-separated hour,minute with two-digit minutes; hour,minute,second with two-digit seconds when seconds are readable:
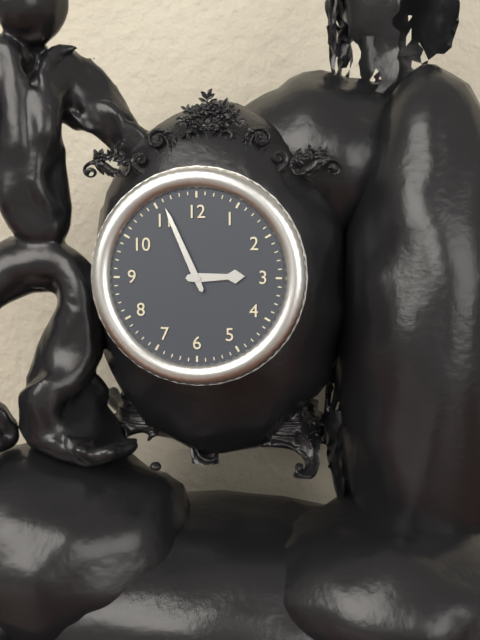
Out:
2,56
